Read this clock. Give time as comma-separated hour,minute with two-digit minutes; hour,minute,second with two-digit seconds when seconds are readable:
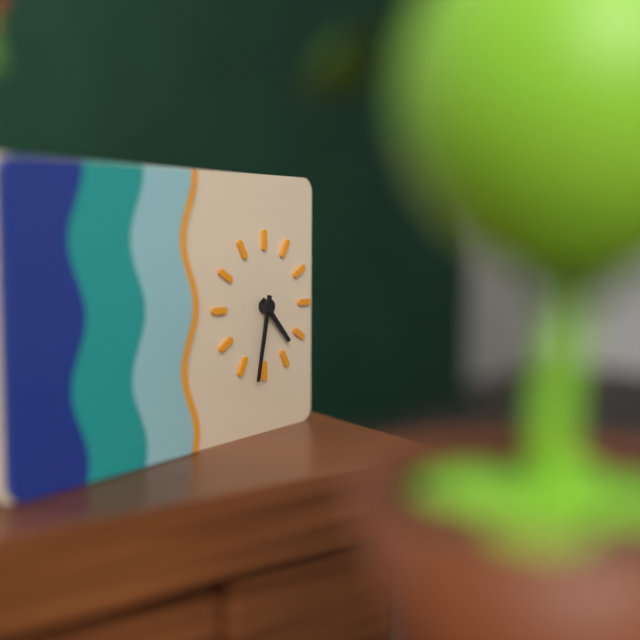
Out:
4,32
